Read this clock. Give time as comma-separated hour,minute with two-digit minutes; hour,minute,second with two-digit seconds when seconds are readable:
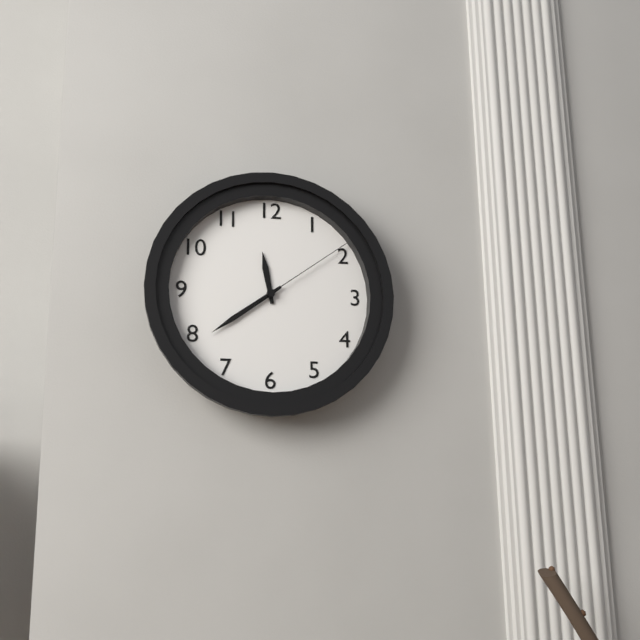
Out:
11,39,09
